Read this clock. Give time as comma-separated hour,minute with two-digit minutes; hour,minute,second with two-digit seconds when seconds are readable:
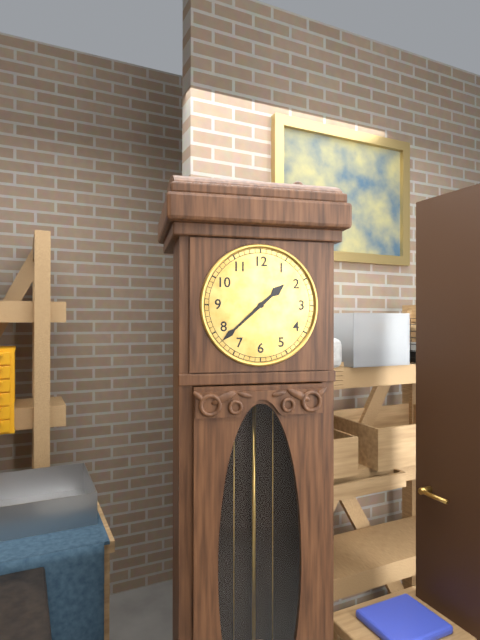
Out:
1,38
